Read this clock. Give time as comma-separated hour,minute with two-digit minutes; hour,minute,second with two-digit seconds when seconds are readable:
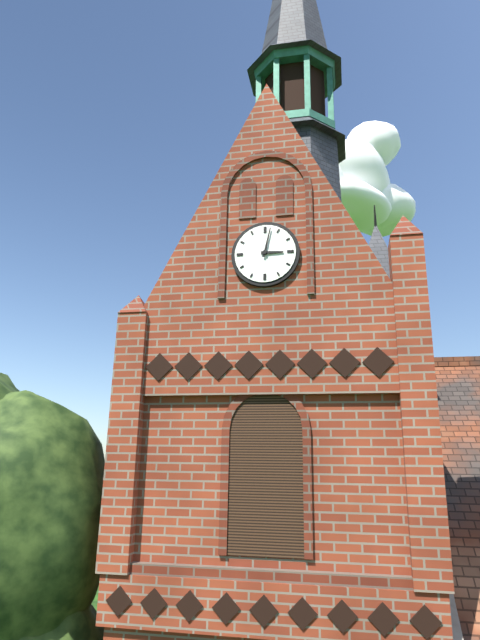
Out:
3,02
